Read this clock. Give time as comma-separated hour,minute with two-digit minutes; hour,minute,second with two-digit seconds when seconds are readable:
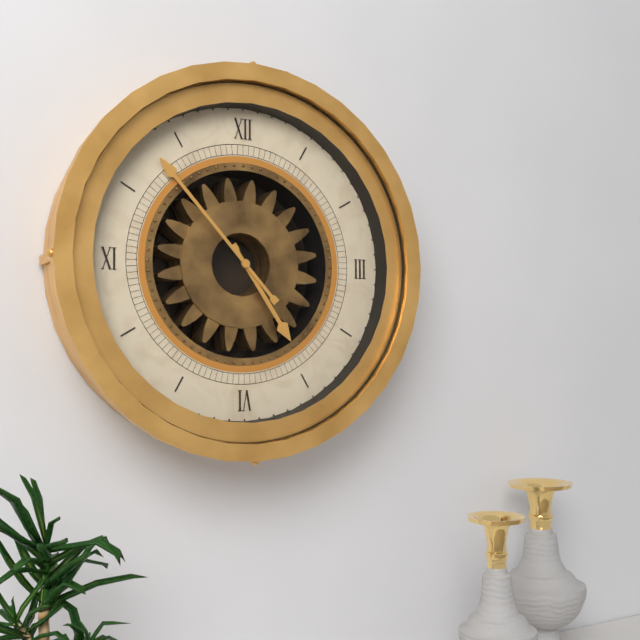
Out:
4,53
